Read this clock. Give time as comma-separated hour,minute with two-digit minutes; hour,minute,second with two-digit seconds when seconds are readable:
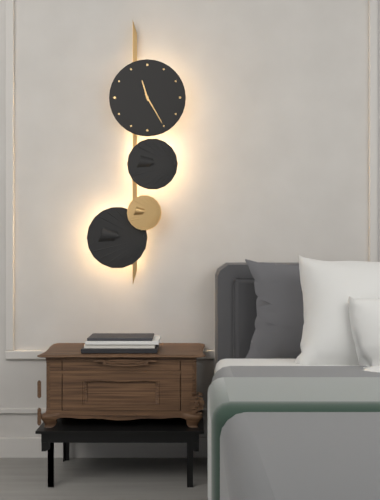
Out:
11,25
